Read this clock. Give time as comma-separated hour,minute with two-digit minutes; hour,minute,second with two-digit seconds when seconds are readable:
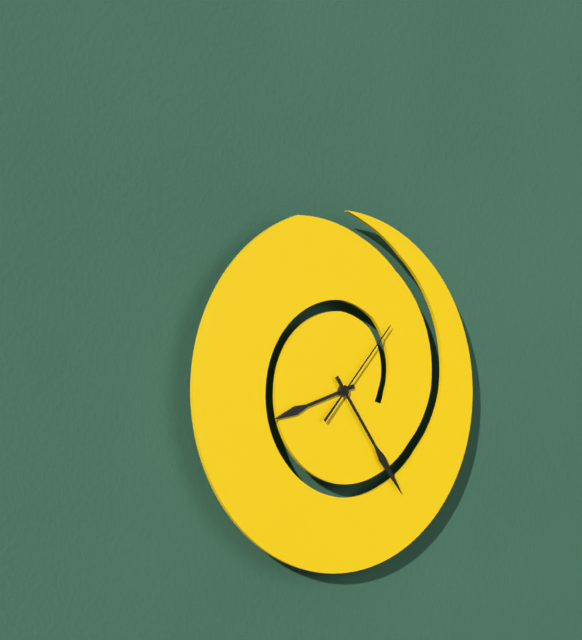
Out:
8,24,07
